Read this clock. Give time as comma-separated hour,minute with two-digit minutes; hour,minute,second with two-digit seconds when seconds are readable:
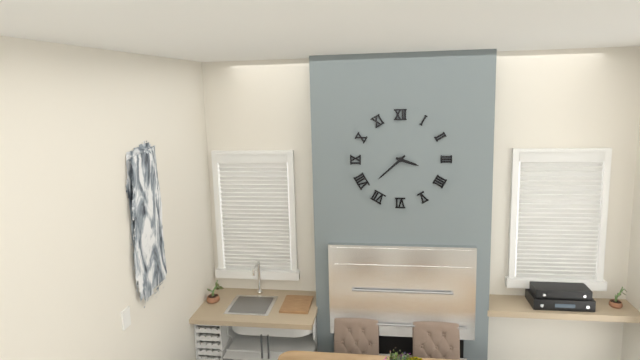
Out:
3,38
